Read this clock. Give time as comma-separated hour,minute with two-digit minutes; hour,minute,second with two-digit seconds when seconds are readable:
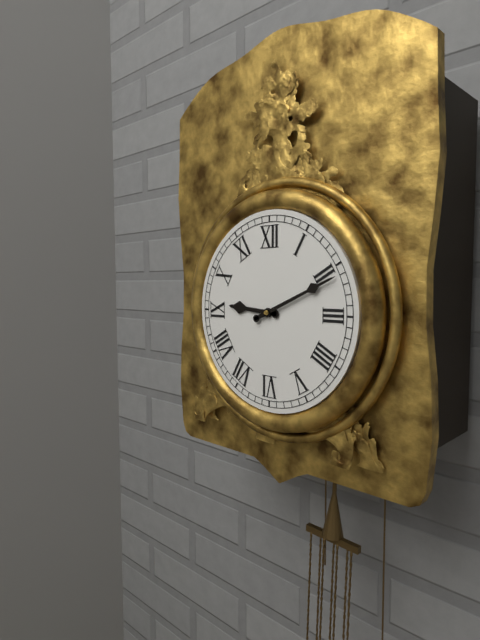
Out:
9,11
